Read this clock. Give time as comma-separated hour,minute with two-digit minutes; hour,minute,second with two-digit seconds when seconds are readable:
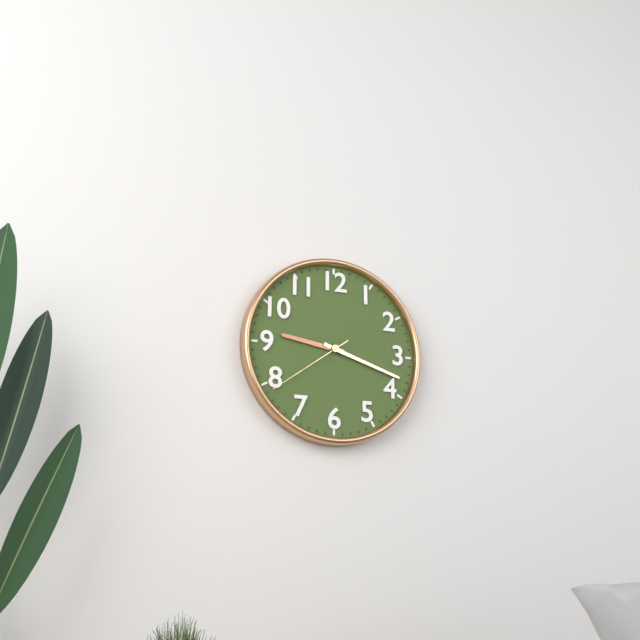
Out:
9,18,39
